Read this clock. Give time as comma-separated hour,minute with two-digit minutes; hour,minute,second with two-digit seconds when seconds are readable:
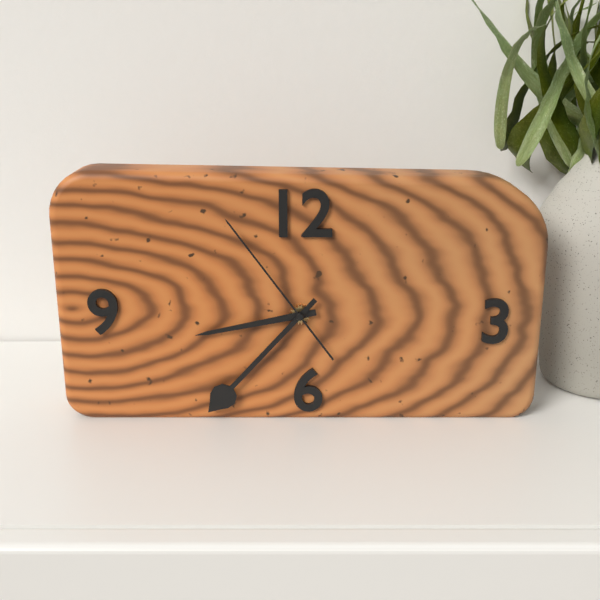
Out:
8,37,54
